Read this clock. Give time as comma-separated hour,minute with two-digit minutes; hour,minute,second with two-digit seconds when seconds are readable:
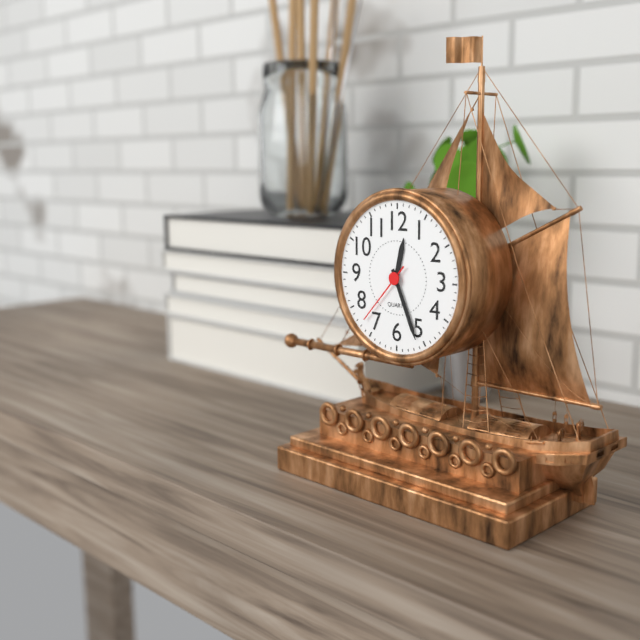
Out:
12,26,37
